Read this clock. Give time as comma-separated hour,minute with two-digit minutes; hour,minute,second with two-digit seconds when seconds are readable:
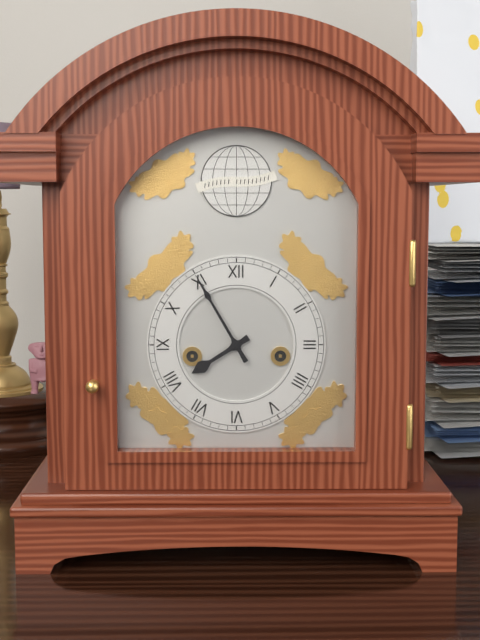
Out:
7,55
